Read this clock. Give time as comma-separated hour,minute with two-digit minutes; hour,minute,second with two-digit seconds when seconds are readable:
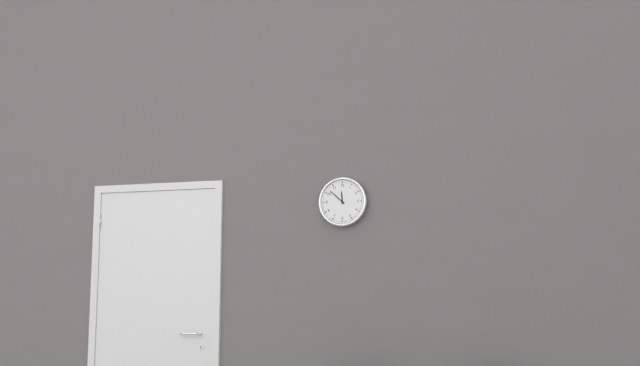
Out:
11,52
